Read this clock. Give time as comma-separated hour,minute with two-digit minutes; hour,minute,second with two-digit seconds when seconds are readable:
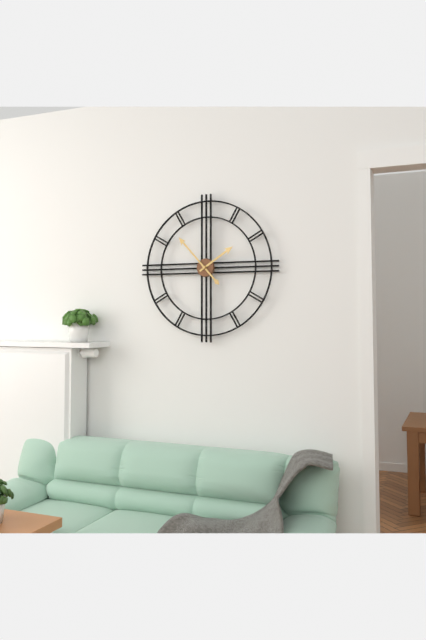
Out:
1,53
